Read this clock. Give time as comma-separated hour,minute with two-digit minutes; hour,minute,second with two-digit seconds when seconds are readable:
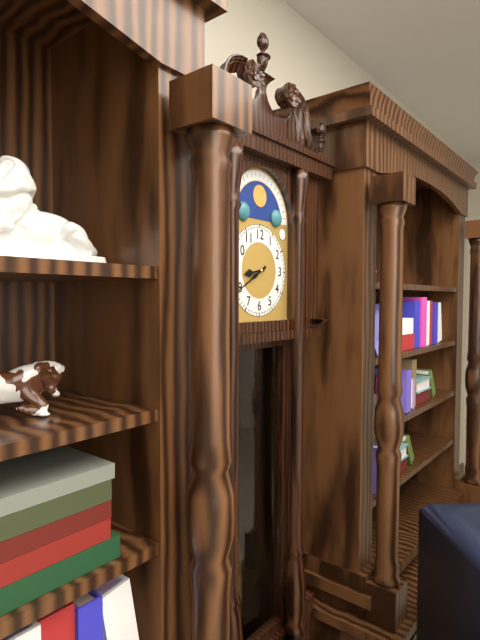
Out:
8,40
